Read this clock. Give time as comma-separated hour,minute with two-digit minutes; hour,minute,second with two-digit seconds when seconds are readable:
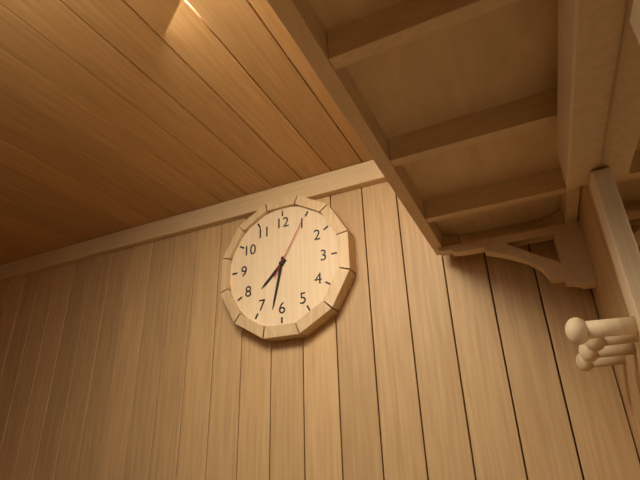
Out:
7,32,05
